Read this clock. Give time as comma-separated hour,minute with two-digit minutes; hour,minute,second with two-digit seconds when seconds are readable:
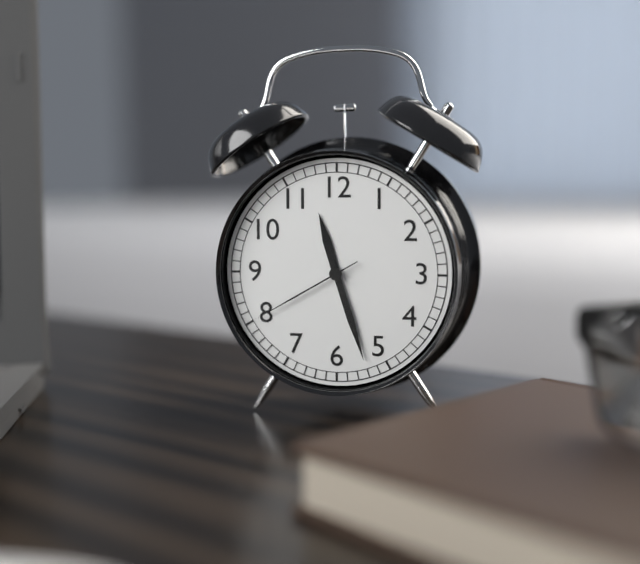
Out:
11,27,40
